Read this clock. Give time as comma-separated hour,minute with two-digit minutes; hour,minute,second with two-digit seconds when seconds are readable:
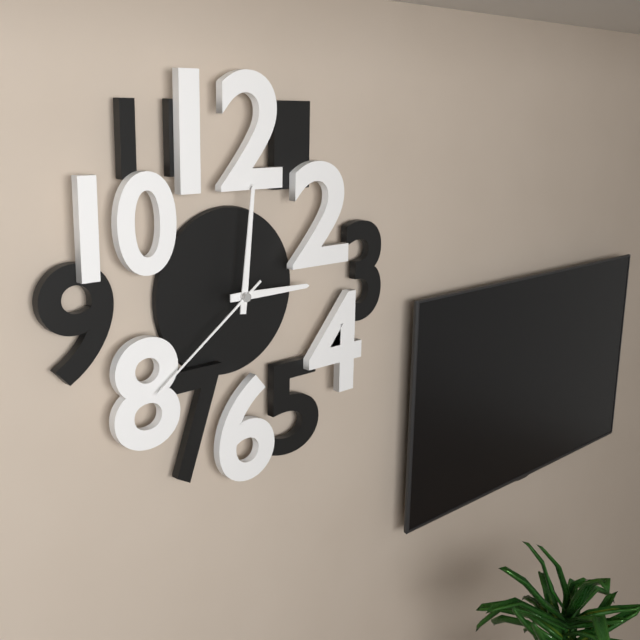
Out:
3,01,39
